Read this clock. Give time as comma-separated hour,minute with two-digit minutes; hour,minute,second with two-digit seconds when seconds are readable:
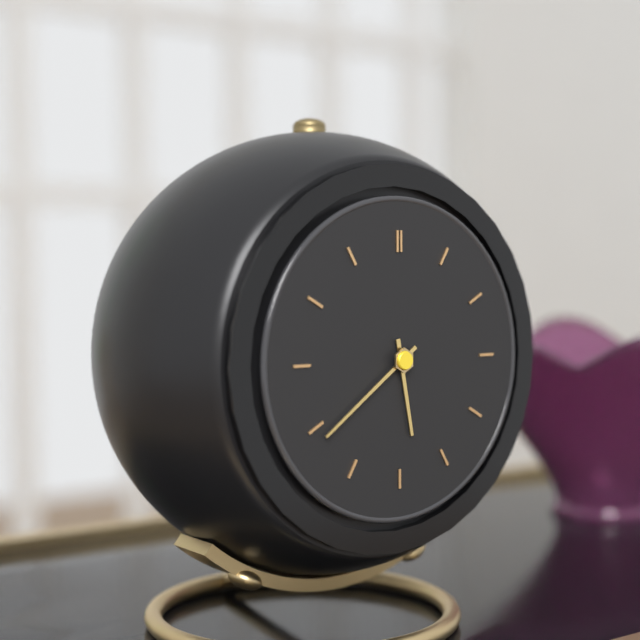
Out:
5,39
